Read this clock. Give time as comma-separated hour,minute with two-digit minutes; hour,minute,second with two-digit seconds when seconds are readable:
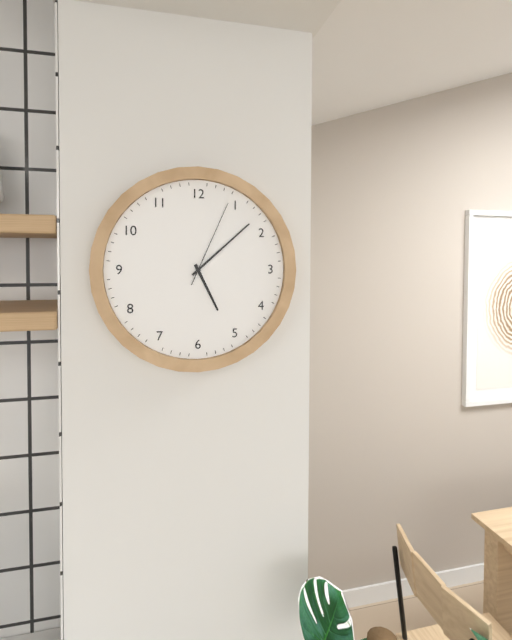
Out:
5,08,04
